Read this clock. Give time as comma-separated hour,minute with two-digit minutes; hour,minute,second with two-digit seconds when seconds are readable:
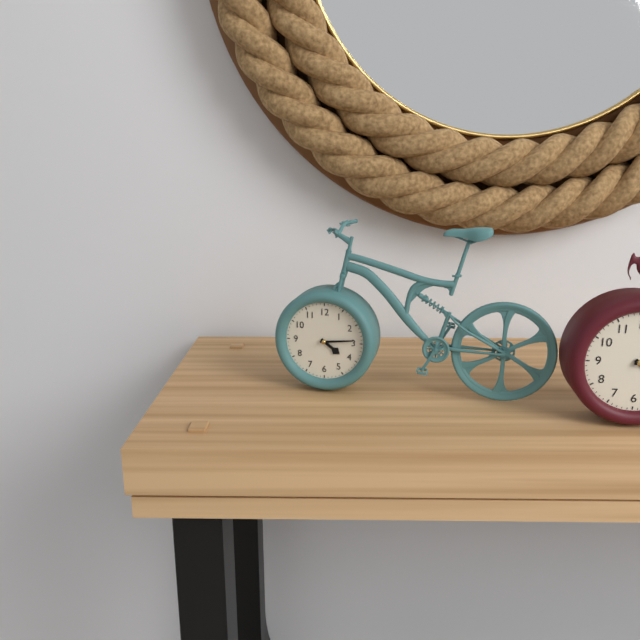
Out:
4,14
